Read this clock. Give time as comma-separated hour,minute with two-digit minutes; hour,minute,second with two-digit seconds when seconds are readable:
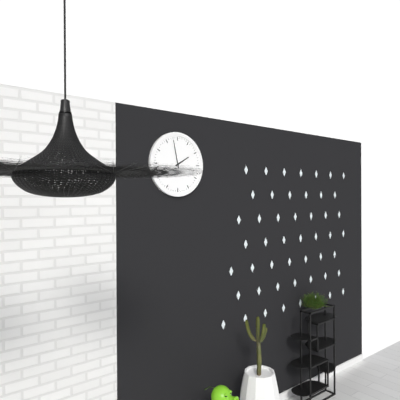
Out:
1,58
